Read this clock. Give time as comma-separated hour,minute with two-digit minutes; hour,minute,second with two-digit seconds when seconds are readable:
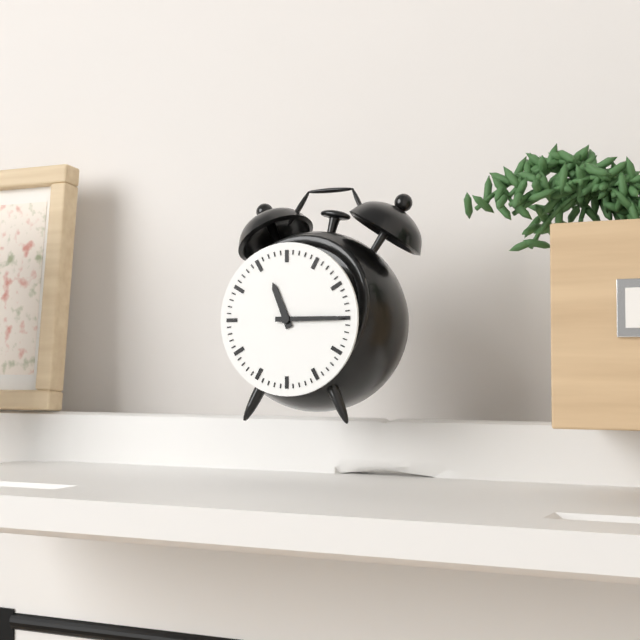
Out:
11,15
